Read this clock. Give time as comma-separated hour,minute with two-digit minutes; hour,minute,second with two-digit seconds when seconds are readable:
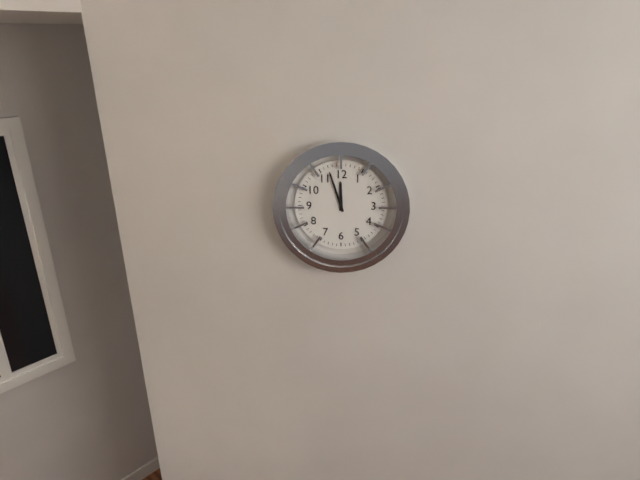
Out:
11,57
